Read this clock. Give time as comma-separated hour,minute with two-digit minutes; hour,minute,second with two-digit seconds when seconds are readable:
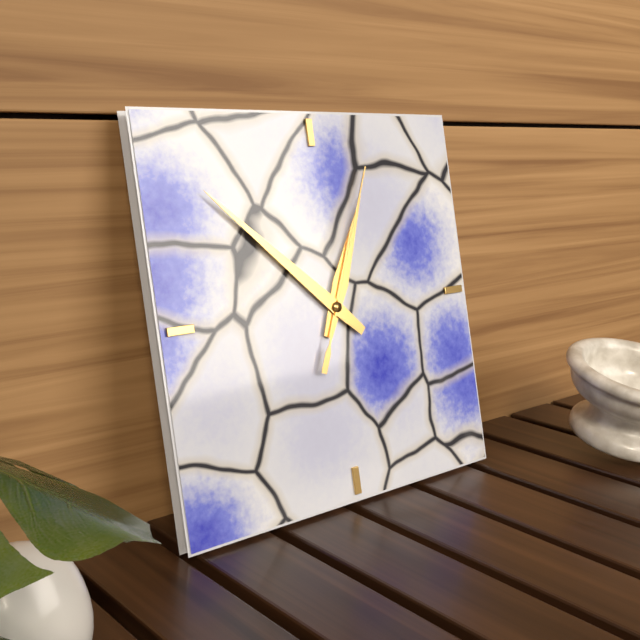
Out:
12,52,04
